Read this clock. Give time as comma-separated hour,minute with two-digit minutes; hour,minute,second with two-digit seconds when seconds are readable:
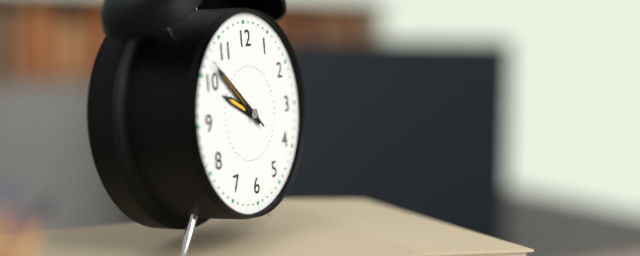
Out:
9,52,52
